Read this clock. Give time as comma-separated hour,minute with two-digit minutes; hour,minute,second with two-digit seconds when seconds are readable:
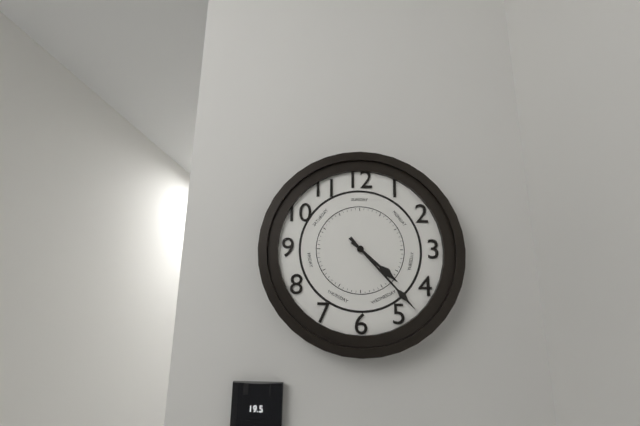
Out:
4,23
